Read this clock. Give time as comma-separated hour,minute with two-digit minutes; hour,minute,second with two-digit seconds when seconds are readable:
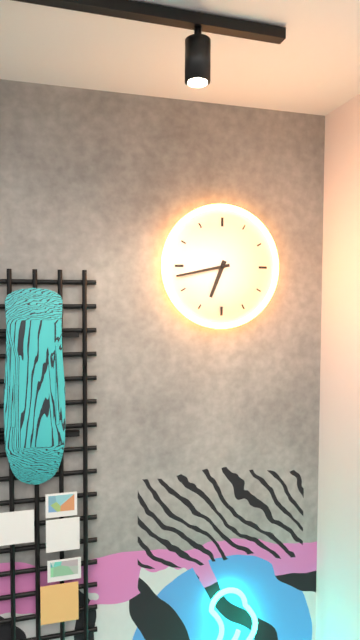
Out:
6,43
